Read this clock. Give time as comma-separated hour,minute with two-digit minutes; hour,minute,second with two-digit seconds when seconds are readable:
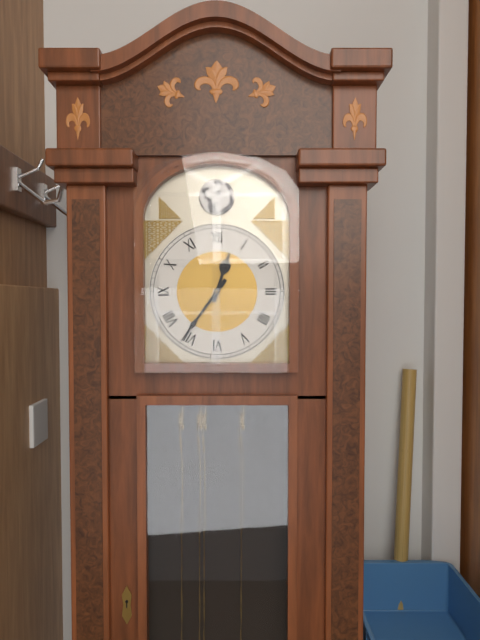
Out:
12,36
